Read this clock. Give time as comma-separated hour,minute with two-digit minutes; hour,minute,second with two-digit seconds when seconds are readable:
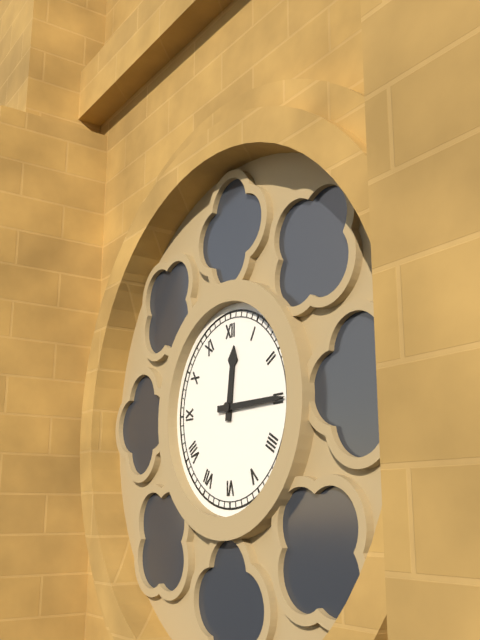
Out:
12,15
